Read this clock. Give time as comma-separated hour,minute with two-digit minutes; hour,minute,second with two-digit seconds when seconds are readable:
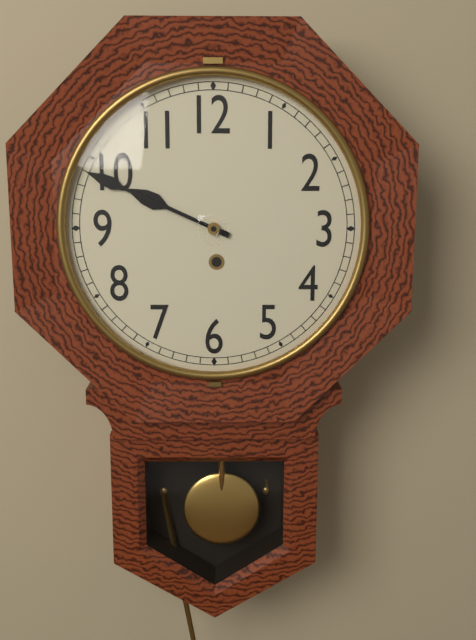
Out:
9,49
